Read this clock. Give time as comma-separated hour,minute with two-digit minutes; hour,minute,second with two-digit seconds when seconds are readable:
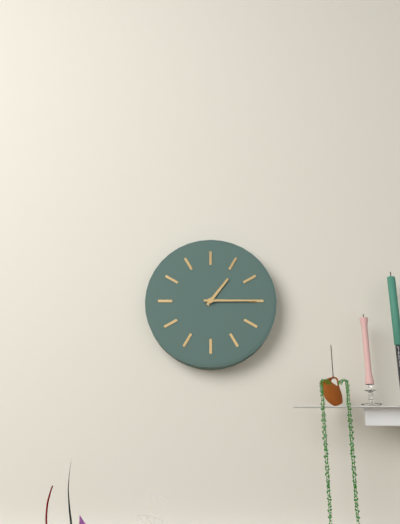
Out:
1,15
